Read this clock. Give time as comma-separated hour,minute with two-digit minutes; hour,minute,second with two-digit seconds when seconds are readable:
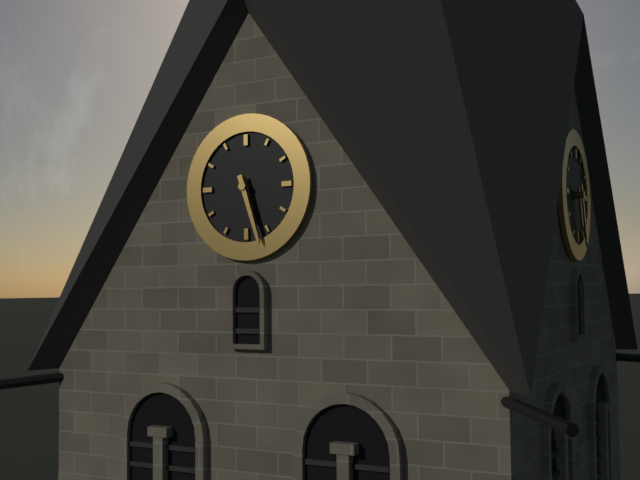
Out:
5,27
